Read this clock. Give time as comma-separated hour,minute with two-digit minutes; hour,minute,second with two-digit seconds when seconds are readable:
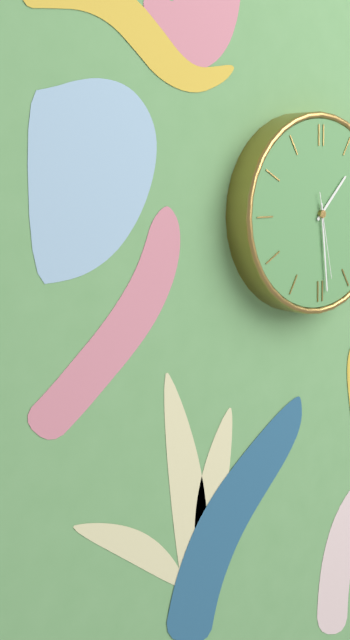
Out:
1,29,28
